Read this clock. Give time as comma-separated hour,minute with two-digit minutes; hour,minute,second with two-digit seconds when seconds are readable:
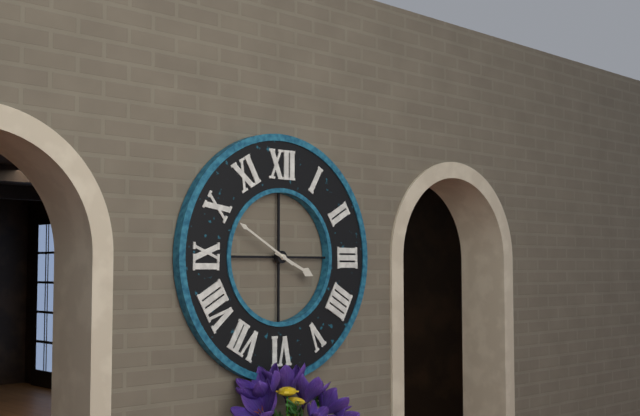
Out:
3,50
